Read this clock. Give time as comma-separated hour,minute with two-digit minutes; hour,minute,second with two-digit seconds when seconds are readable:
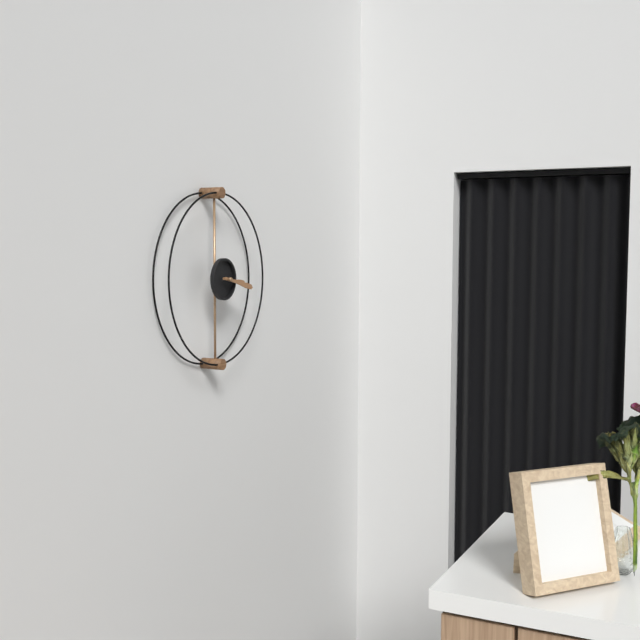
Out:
3,17
